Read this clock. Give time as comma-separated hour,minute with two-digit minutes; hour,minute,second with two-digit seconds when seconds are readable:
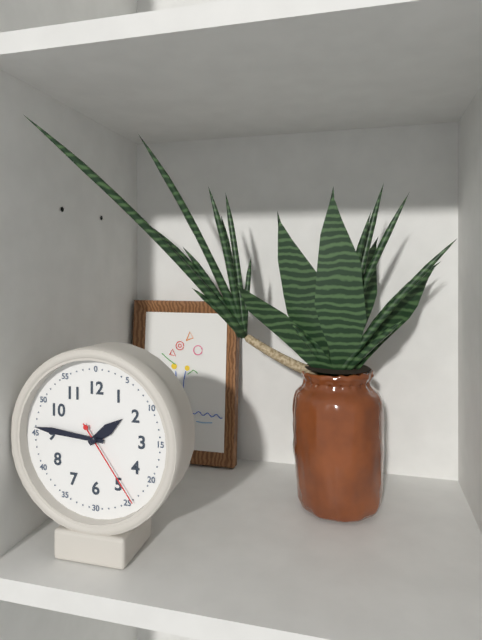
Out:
1,46,24
